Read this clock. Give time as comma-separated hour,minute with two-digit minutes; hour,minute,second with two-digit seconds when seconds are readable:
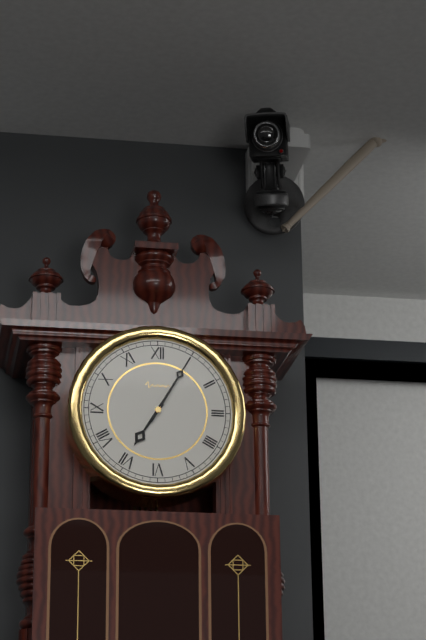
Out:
7,05
